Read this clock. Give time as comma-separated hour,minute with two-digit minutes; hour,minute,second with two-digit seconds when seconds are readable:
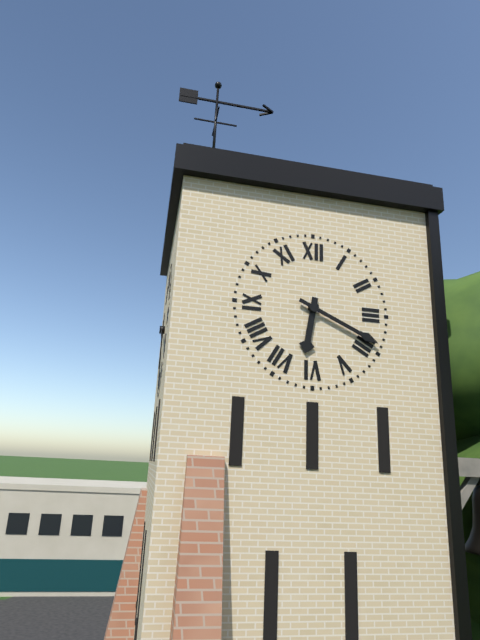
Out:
6,19
